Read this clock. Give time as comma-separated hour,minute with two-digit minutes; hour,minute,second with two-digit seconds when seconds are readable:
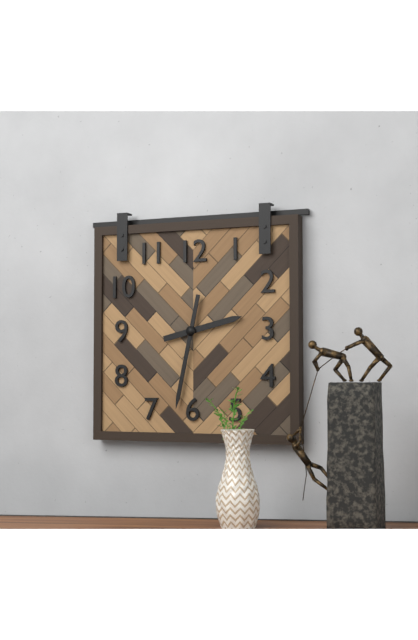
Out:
2,32
